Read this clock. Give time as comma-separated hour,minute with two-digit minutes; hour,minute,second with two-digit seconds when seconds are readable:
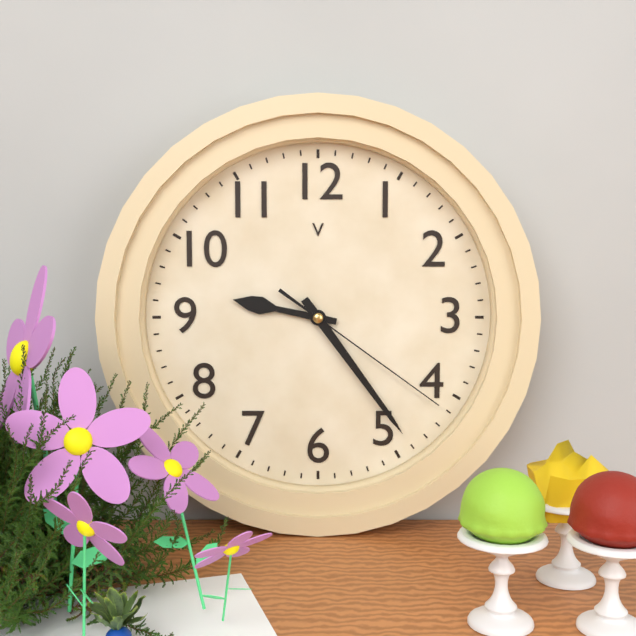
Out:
9,24,21
